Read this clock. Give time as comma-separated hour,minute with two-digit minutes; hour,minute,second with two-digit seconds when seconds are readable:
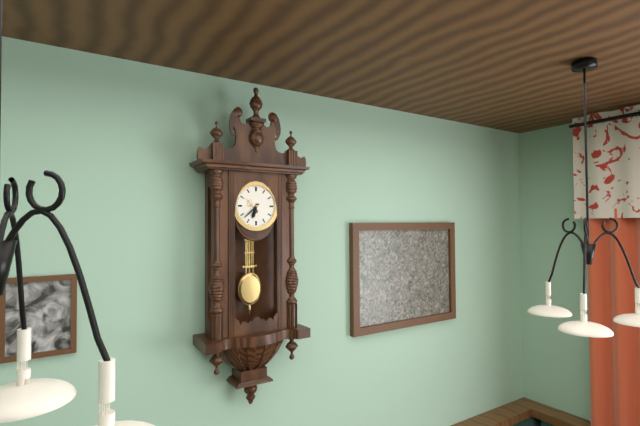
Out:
6,38
